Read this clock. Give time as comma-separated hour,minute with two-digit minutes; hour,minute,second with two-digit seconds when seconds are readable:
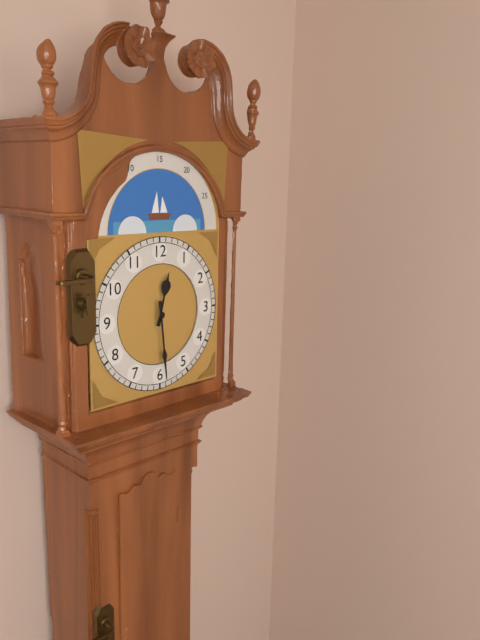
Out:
12,29
